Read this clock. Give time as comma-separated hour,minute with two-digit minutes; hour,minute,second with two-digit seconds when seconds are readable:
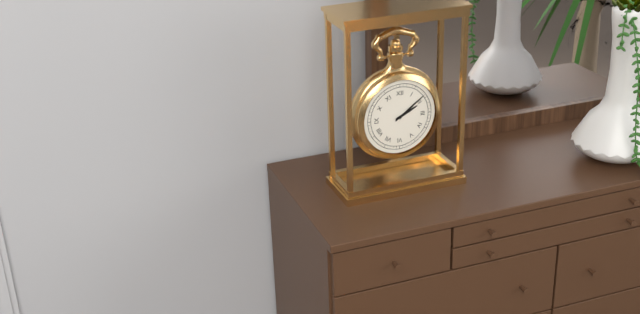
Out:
2,09
